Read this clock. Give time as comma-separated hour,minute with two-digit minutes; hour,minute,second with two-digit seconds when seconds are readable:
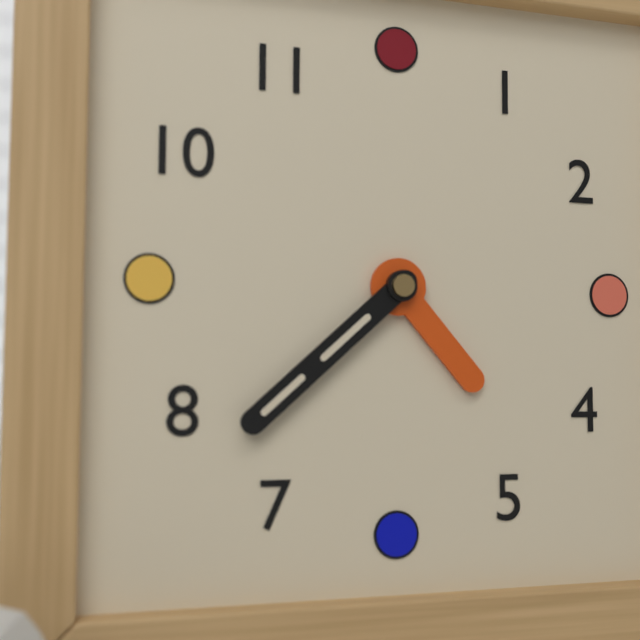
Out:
4,38
